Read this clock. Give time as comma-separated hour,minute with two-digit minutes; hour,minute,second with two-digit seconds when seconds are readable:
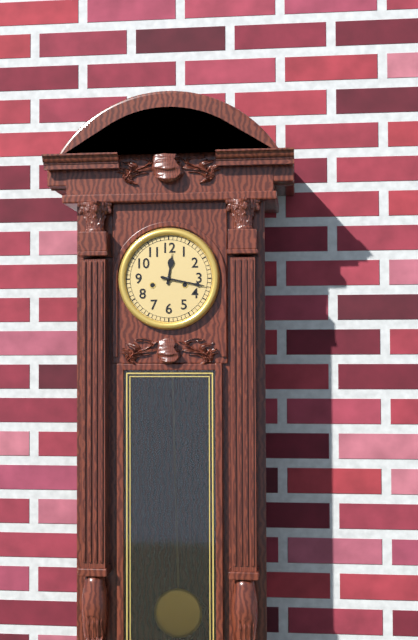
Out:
12,17
